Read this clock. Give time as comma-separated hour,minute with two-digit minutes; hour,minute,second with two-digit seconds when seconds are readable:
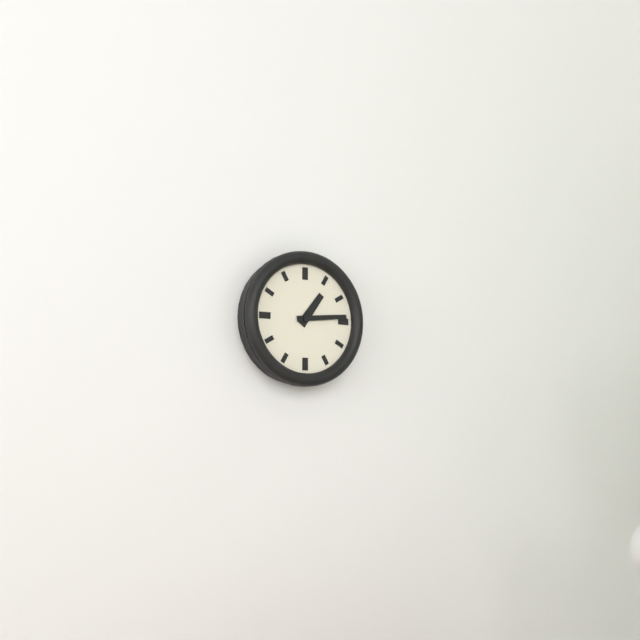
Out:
1,14
